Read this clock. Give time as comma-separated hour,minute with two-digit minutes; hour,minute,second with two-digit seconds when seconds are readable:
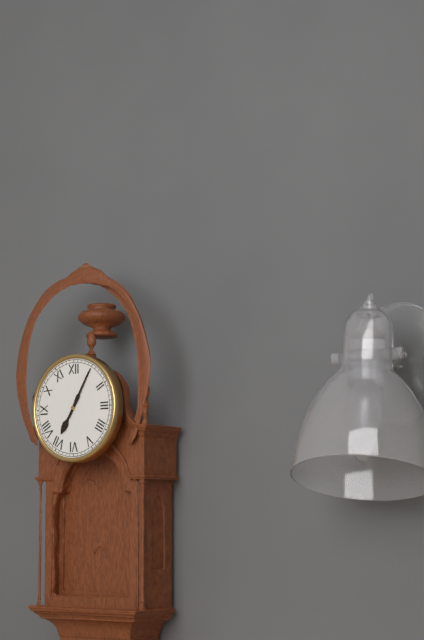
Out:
7,05
